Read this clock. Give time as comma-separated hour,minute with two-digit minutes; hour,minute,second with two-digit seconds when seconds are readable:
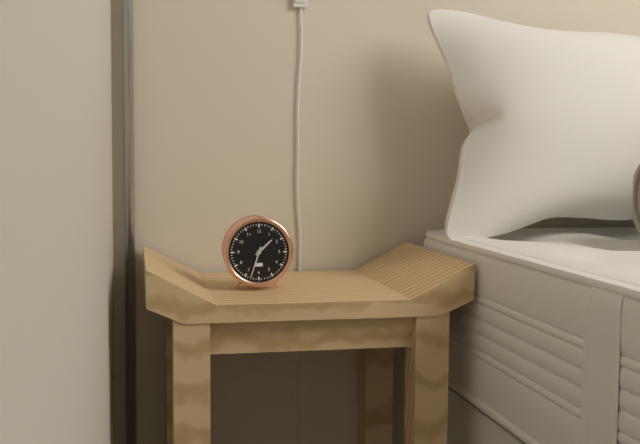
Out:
1,33
